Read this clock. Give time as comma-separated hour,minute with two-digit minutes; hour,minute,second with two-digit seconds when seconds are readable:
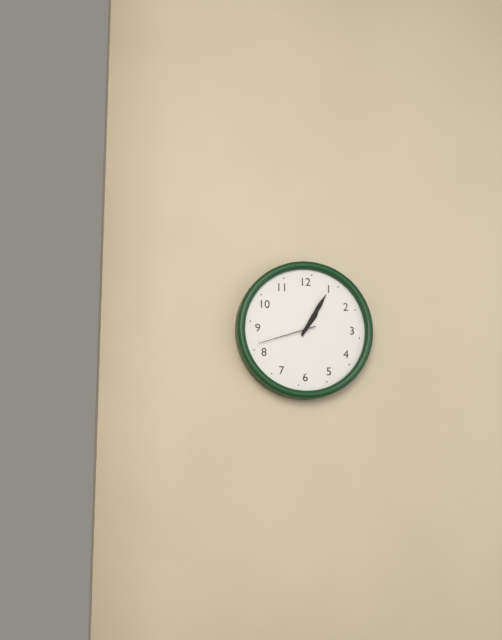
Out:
1,05,42
